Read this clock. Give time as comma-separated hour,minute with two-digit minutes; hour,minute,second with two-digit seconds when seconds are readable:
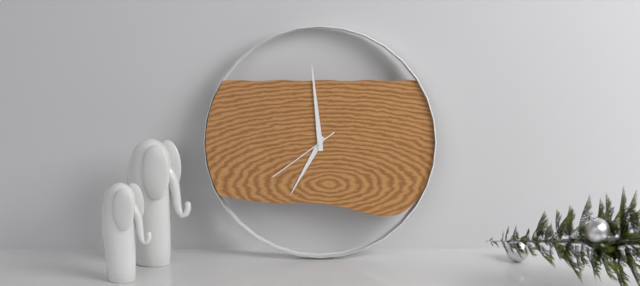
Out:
6,59,39
